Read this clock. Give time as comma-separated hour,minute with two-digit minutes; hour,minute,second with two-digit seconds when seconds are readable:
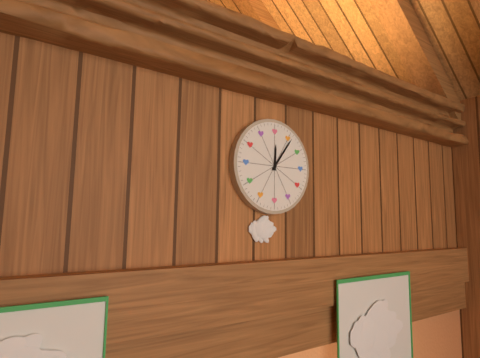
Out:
12,06
